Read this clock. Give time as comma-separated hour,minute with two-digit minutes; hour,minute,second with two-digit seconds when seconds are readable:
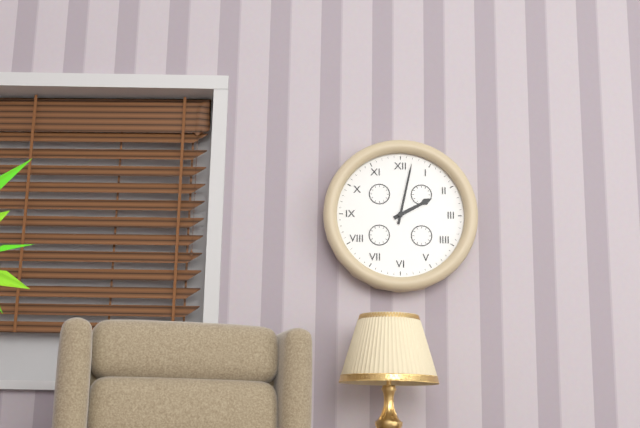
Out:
2,02
